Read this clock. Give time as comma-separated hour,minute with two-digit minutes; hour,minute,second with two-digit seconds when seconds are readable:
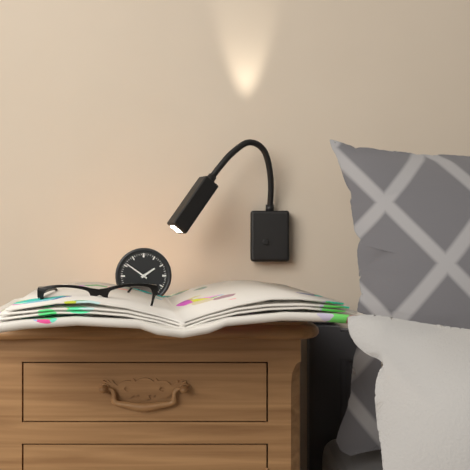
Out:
1,51
